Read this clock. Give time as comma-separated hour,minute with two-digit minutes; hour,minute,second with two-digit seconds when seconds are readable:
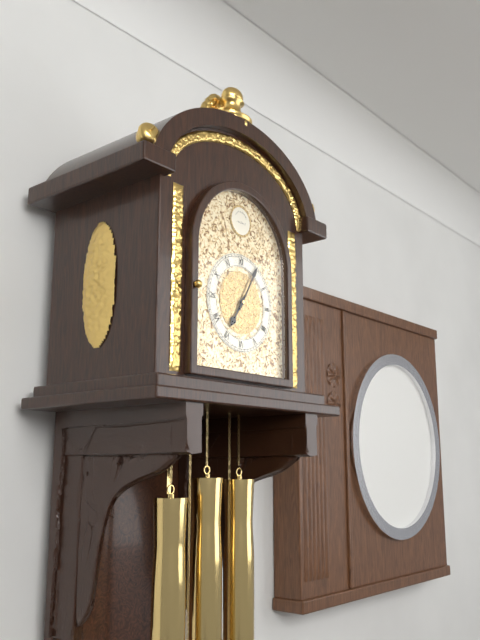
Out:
7,05
